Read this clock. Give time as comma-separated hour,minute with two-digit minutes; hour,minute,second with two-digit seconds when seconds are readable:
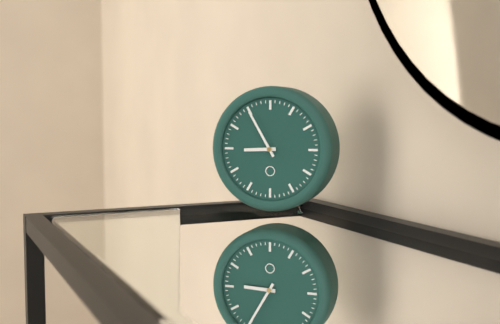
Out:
8,55
